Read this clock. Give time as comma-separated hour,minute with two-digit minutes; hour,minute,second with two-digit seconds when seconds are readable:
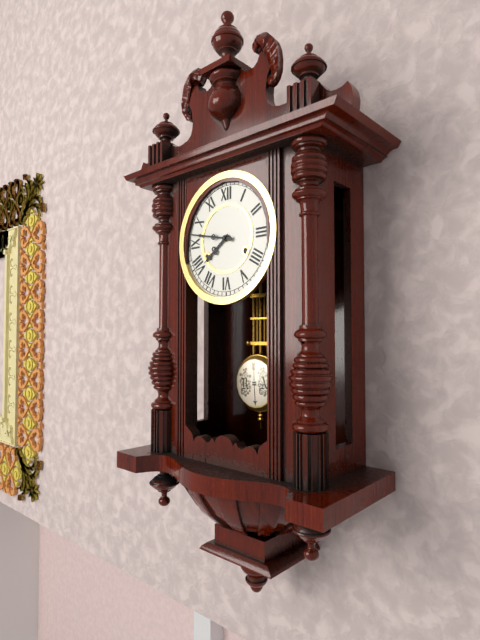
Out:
7,47
